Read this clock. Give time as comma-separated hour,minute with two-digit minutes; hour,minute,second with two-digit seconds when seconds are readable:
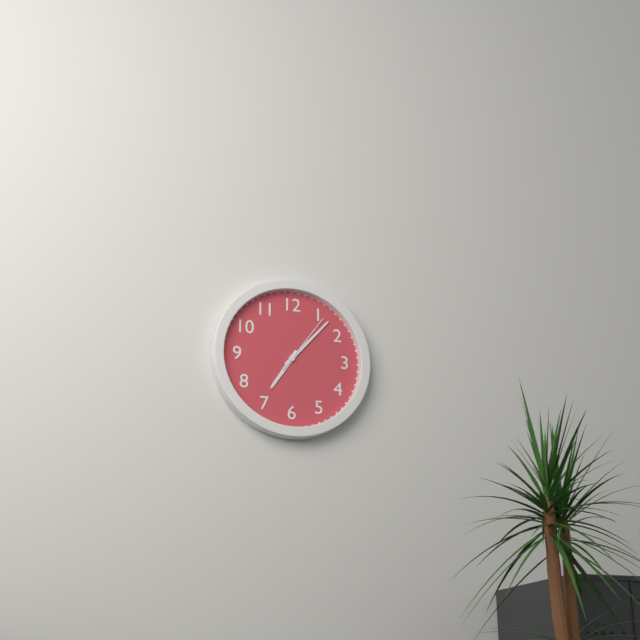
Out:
7,07,06
